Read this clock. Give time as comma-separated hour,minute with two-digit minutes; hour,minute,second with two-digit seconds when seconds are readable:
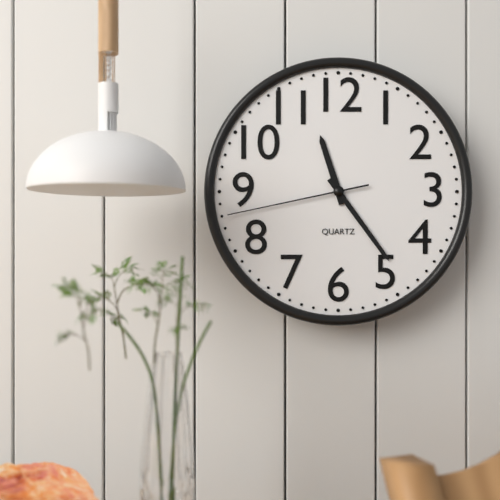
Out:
11,24,43
